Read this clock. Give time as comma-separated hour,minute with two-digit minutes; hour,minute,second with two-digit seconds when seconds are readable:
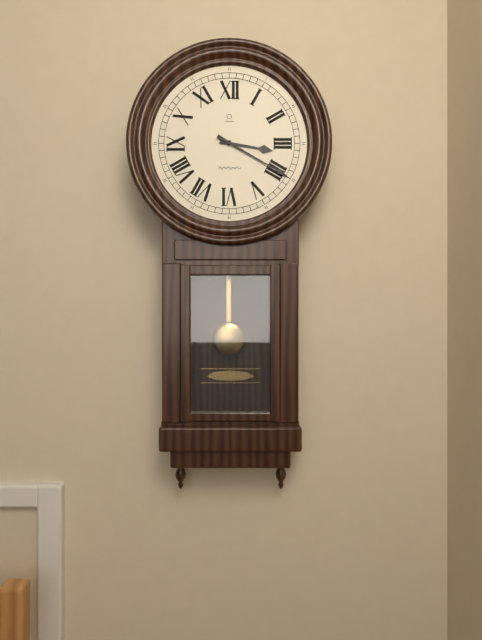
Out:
3,20
